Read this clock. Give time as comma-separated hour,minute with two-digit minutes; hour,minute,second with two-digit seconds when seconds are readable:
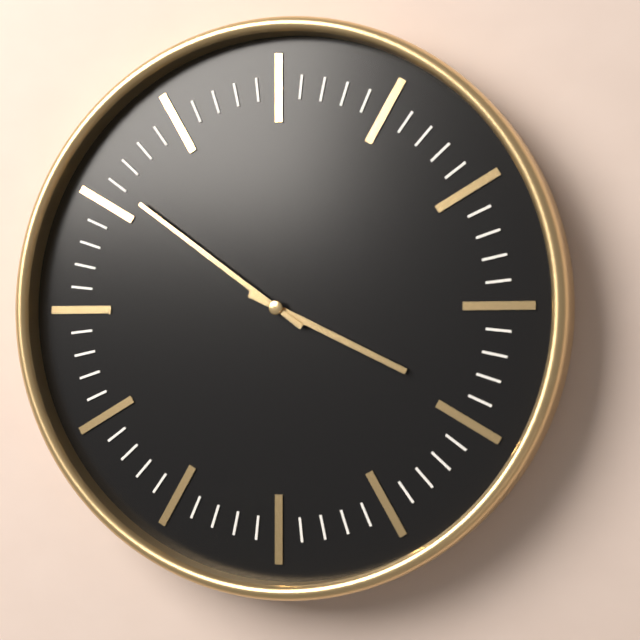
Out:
3,51
